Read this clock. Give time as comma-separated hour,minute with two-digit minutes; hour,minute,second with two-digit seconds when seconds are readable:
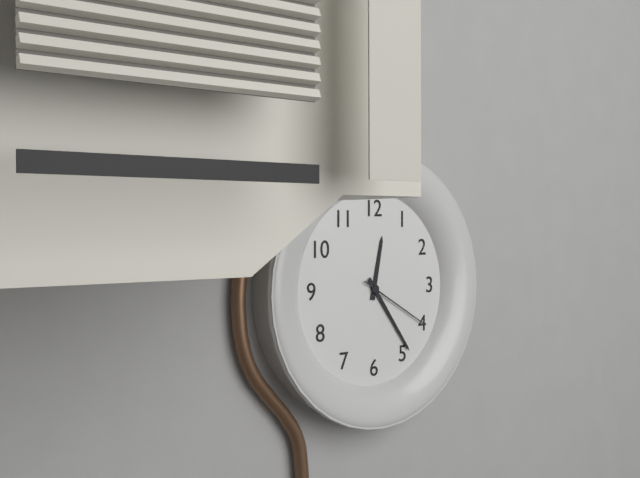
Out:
12,24,20
